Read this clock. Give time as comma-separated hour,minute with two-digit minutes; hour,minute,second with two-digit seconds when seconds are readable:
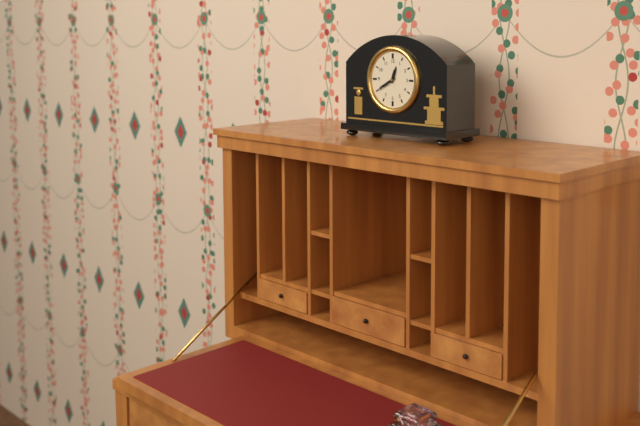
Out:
12,40
